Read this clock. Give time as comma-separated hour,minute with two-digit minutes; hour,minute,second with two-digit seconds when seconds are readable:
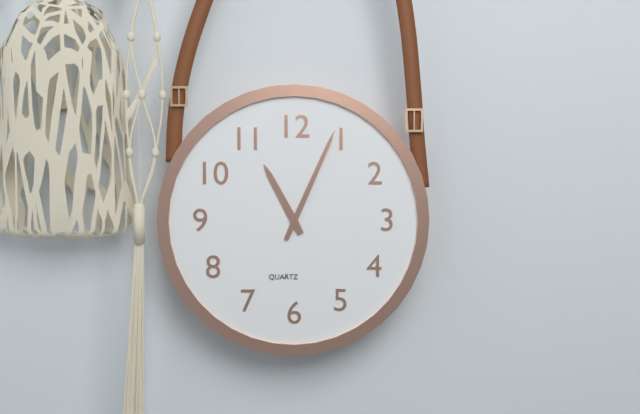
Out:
11,04
